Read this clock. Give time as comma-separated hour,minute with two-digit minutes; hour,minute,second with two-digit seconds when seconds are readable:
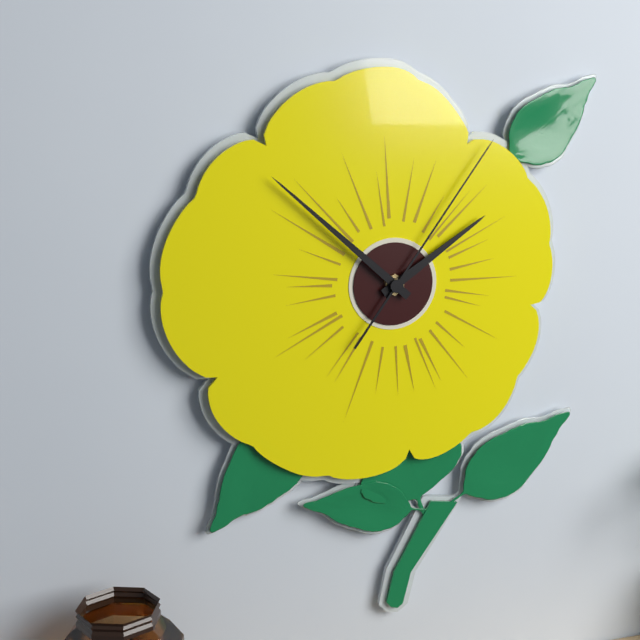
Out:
1,52,06
